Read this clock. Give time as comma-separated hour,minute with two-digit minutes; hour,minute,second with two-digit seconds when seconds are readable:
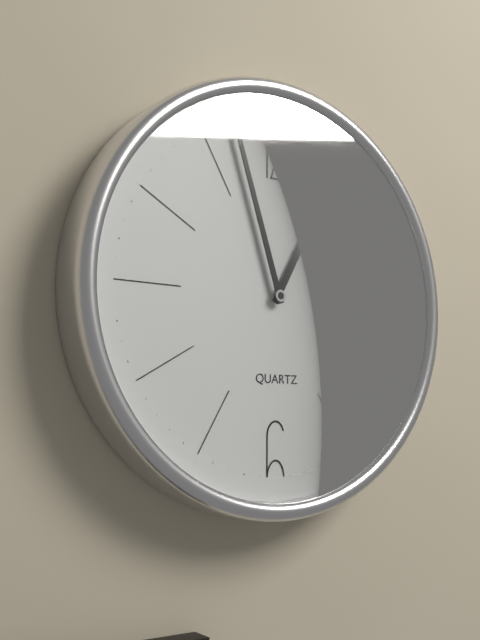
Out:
12,57
